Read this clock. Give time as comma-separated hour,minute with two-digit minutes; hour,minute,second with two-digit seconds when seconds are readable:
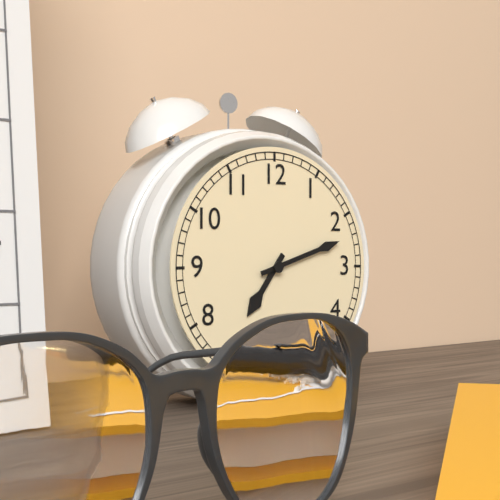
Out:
7,12
